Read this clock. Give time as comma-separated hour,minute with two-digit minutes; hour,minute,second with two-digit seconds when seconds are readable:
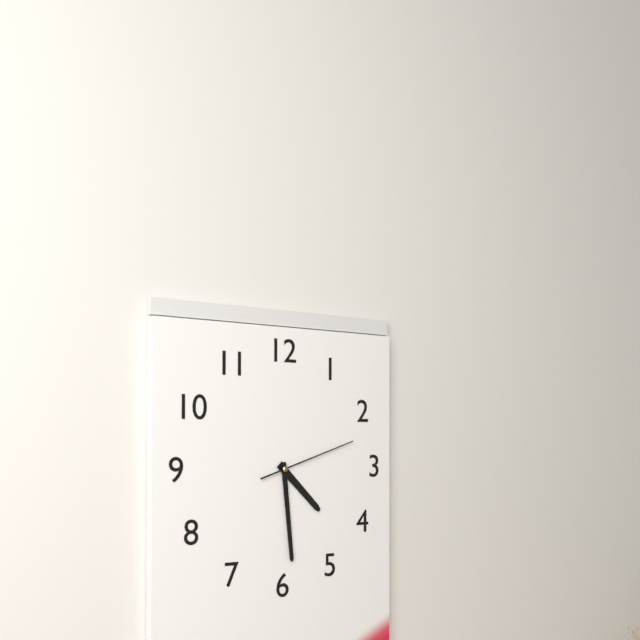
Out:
4,29,12
